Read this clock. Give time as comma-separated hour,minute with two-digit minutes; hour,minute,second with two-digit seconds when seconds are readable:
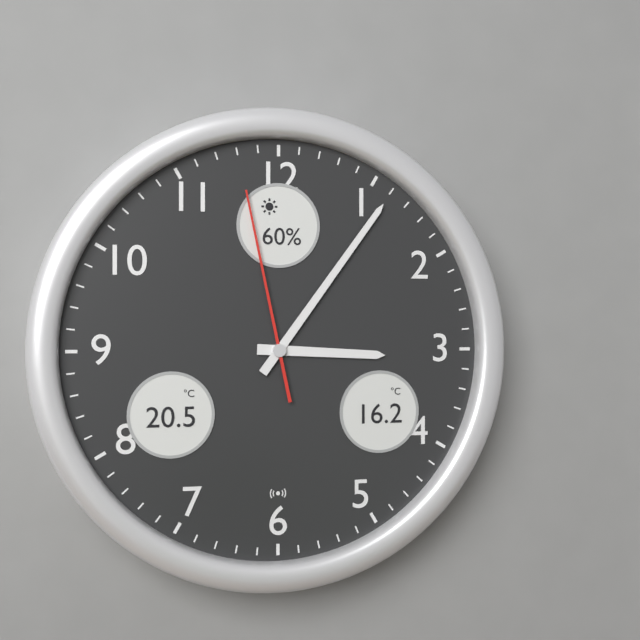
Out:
3,06,58
